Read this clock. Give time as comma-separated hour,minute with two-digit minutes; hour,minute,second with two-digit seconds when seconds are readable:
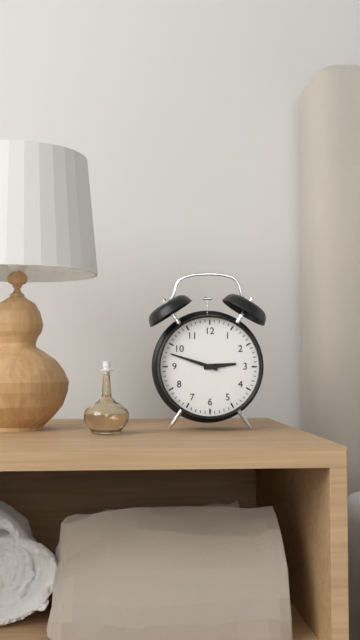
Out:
2,48
